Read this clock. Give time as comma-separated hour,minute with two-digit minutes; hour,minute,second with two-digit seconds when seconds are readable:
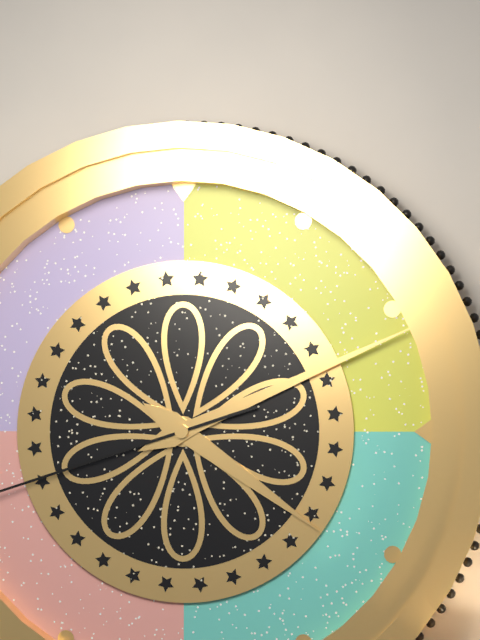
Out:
4,11
